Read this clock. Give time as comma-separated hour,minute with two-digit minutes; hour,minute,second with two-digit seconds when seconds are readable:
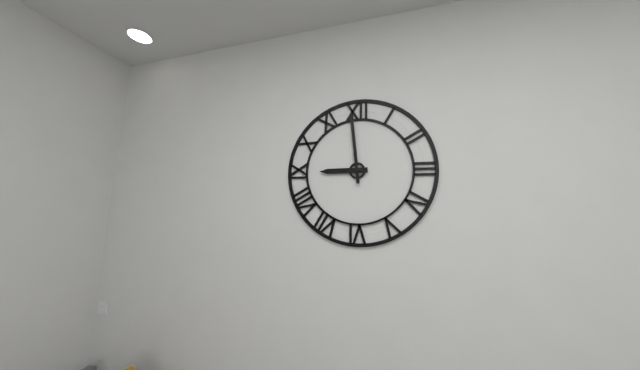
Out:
8,59
